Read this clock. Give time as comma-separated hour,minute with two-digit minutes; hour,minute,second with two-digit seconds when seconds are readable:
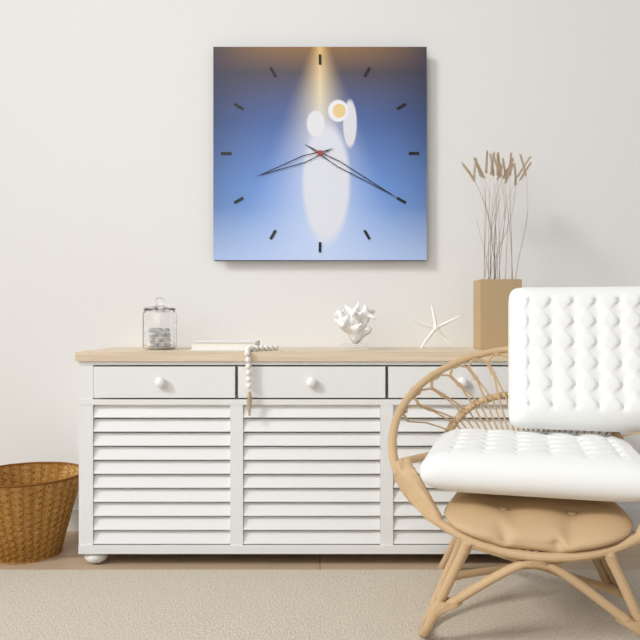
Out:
8,20
